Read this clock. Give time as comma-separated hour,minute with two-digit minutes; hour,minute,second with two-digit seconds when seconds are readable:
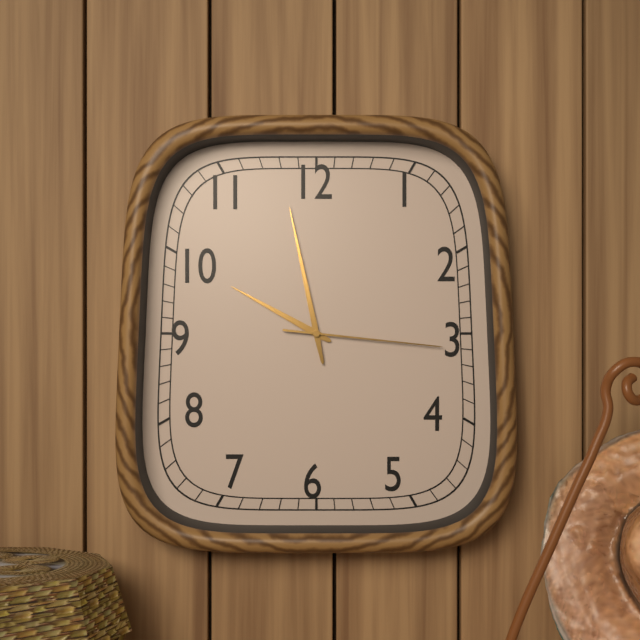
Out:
9,58,16
